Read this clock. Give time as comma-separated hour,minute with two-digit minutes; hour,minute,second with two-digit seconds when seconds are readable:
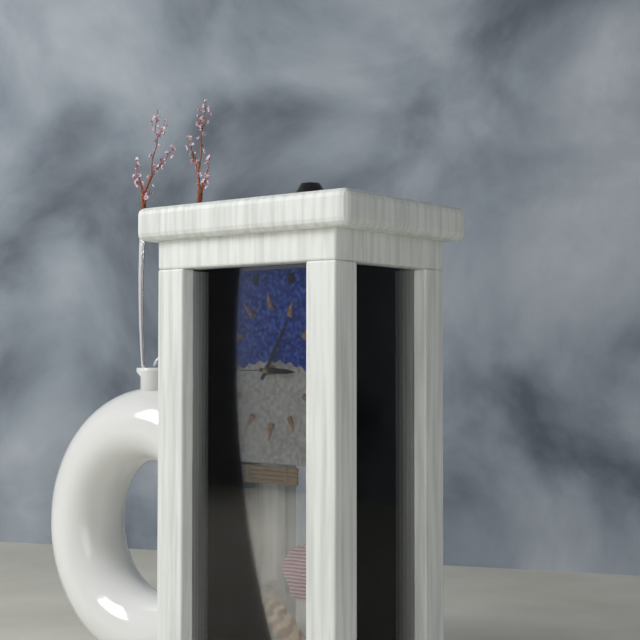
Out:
3,05
